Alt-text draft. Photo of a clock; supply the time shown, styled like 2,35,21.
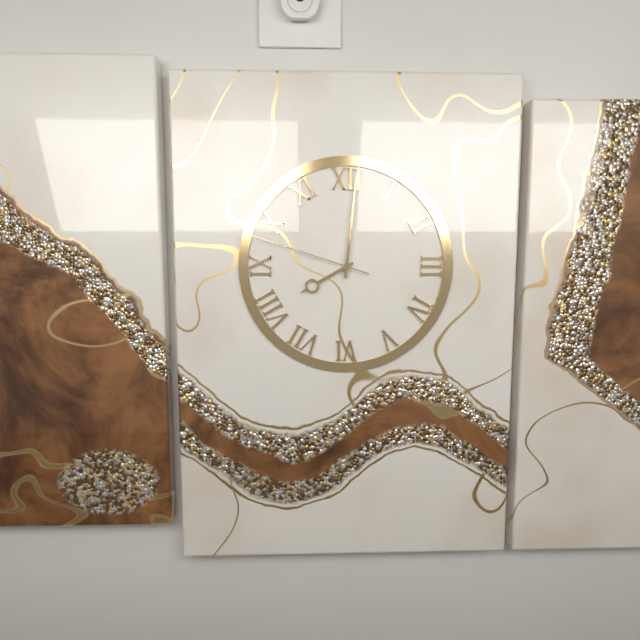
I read 8,01,48
